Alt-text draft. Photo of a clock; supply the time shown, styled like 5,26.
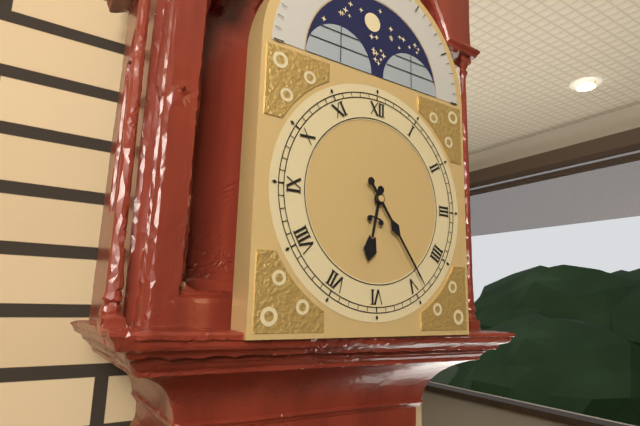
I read 6,24
